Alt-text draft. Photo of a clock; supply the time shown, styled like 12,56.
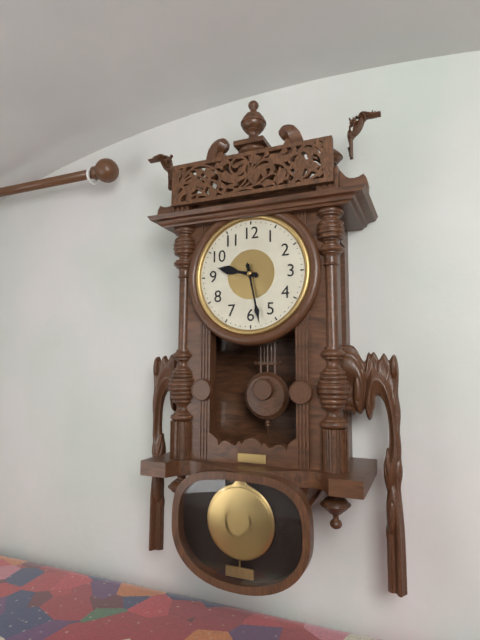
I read 9,28
